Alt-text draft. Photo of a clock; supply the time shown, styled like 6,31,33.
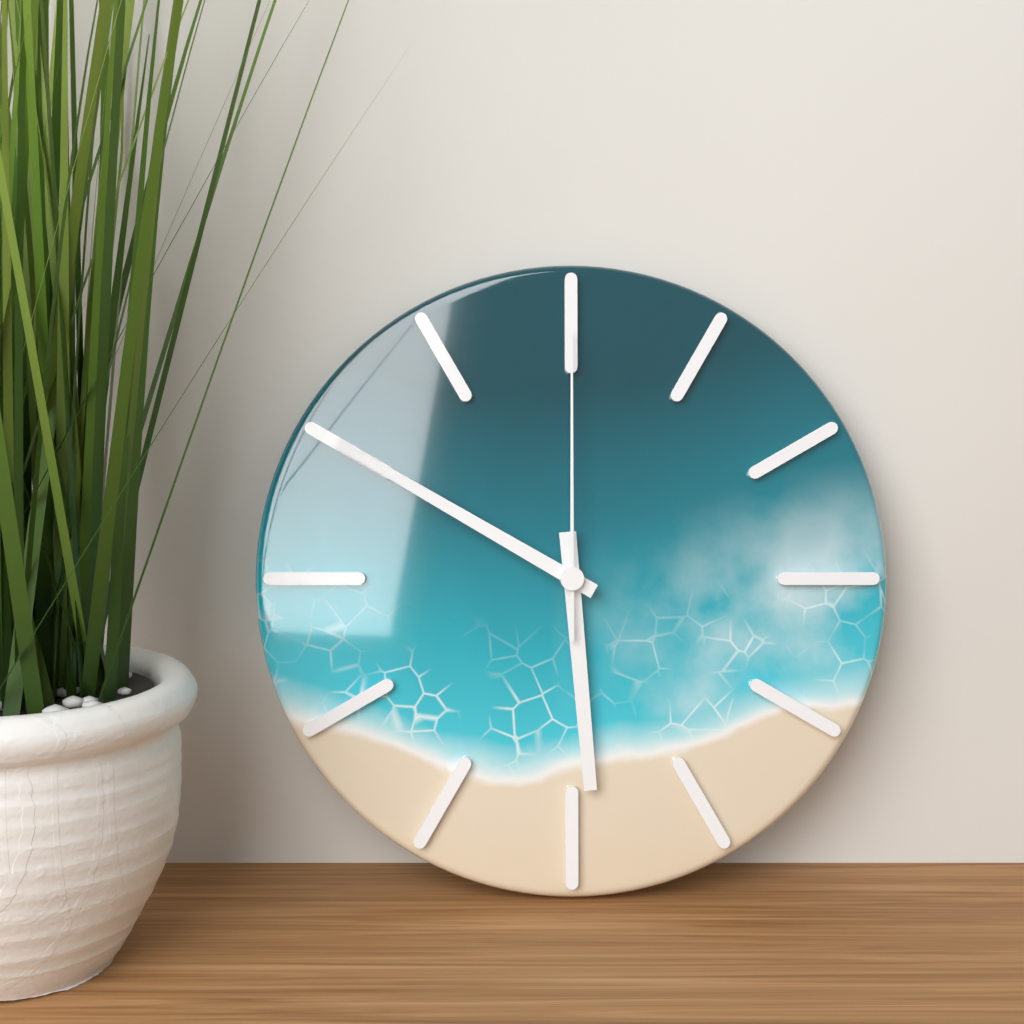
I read 5,50,00
